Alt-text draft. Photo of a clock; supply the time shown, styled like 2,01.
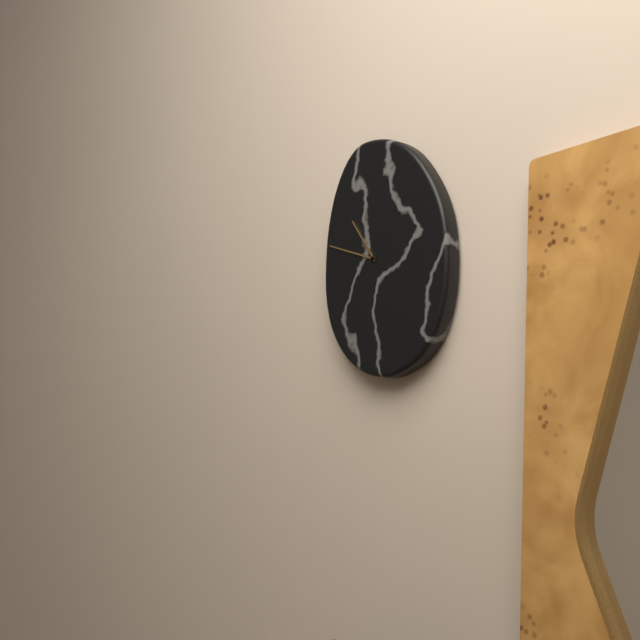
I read 10,48
